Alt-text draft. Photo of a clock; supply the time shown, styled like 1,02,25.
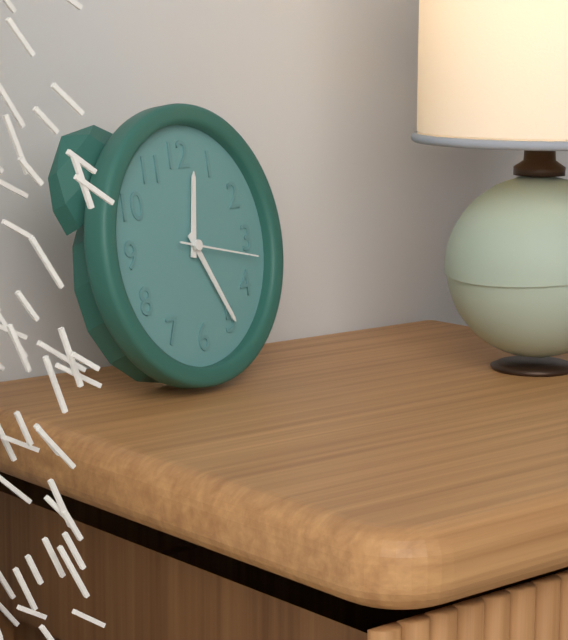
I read 12,25,17
